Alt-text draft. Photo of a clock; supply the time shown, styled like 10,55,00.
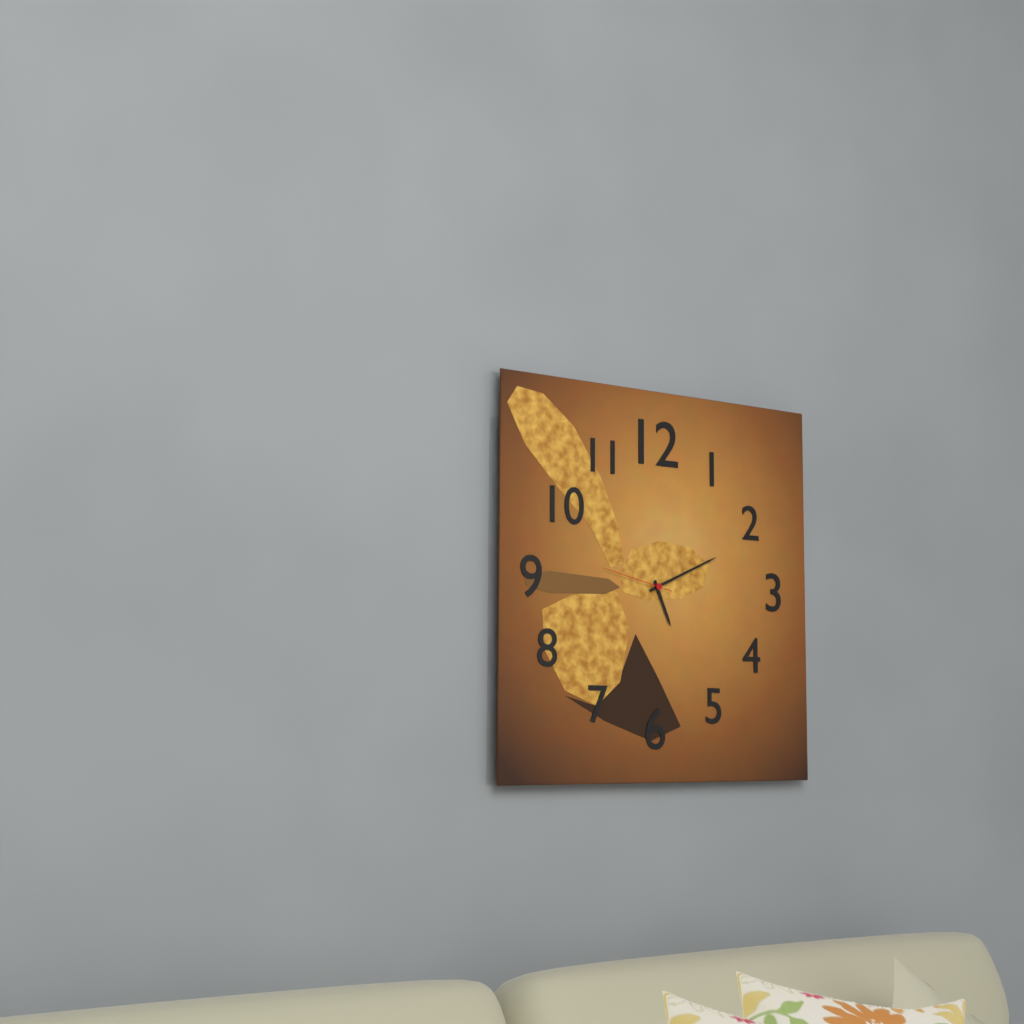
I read 5,11,47
